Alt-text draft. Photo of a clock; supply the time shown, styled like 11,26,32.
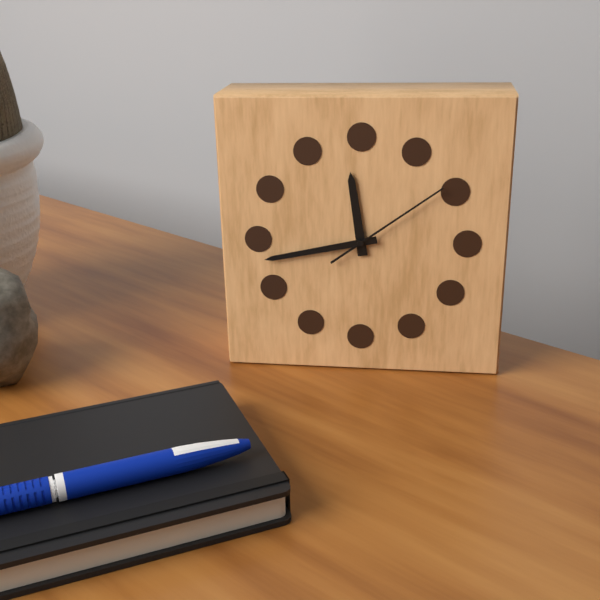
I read 11,43,09
